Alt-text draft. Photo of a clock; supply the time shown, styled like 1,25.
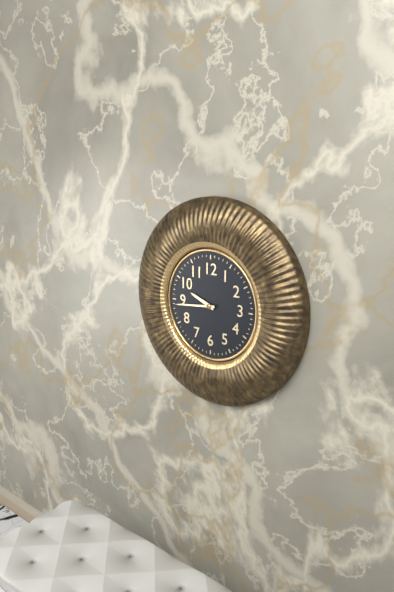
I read 9,44
